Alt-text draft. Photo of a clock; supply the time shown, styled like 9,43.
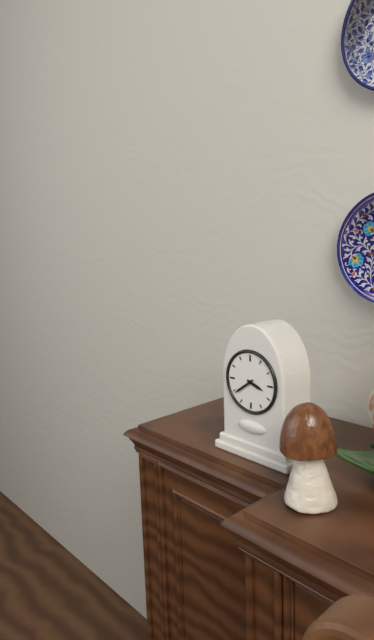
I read 3,39
